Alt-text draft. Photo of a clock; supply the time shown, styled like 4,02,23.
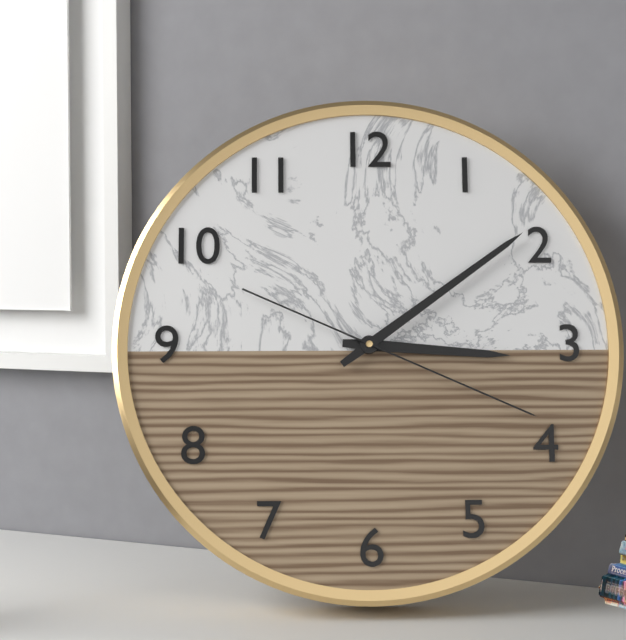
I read 3,09,19
